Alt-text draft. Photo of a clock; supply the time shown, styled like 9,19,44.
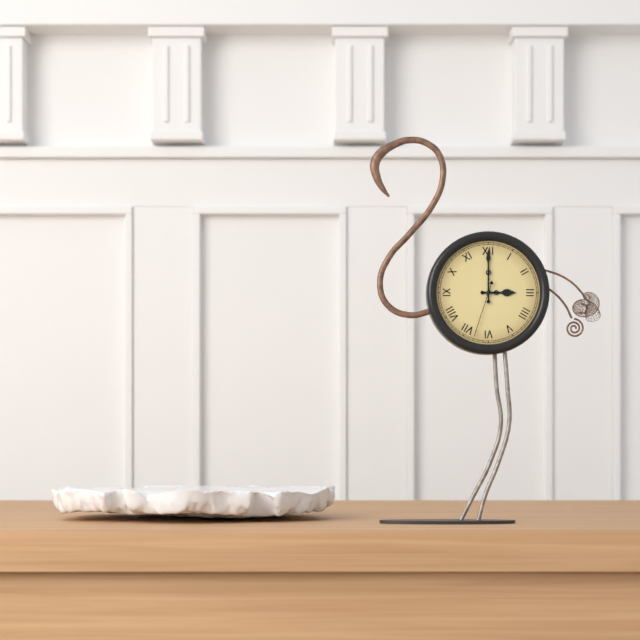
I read 3,00,33
